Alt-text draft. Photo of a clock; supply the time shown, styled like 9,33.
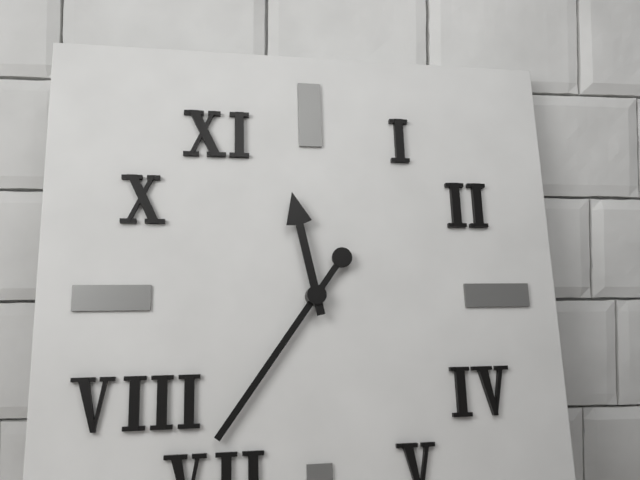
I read 11,36
